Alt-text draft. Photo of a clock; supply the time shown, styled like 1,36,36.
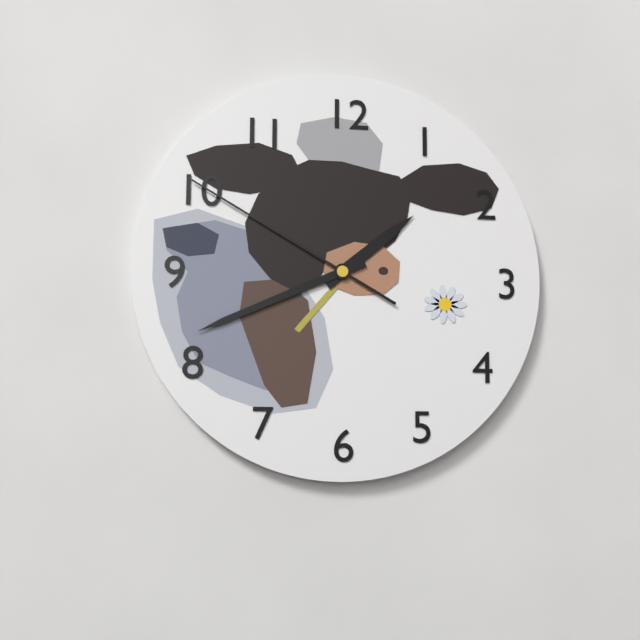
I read 1,41,50
